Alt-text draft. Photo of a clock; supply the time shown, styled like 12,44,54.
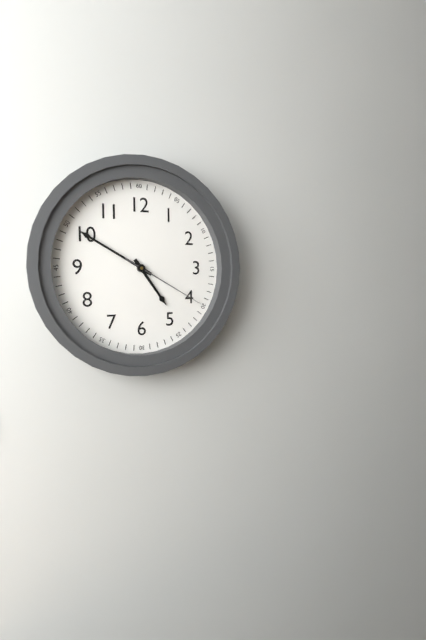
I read 4,50,20
